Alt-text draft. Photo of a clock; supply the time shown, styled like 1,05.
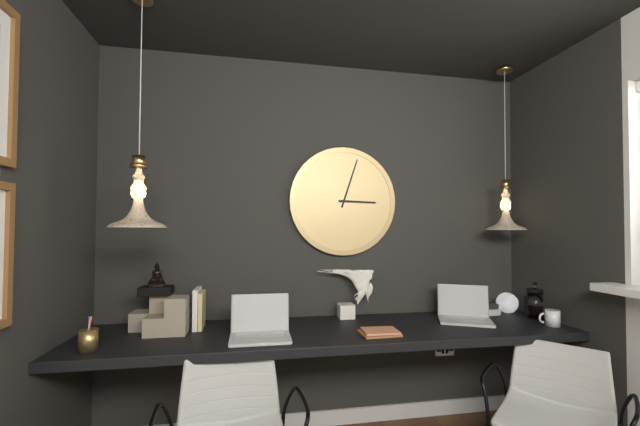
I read 3,03
